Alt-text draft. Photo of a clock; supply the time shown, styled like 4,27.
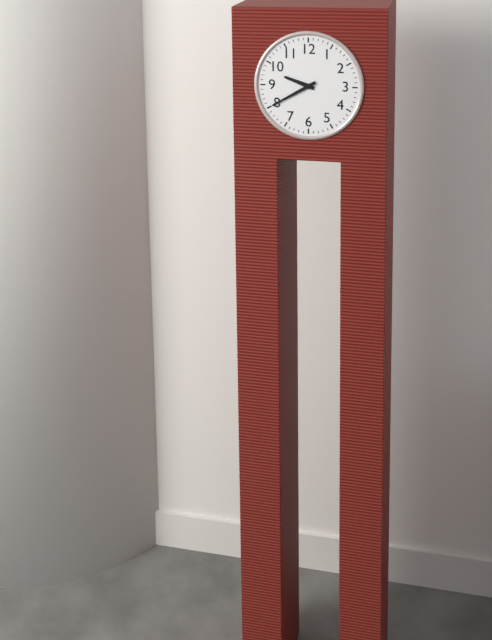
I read 9,40
